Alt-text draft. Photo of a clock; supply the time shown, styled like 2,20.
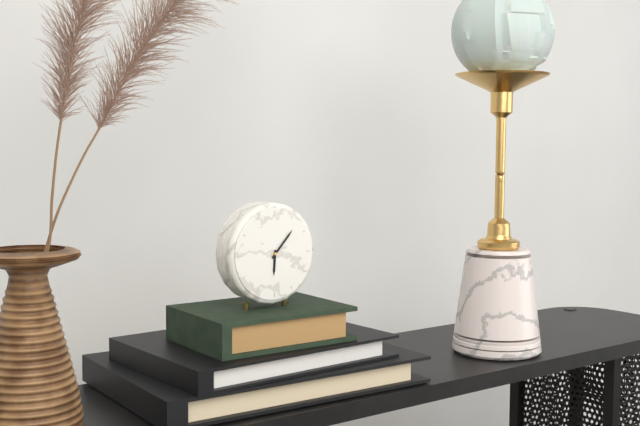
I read 6,07
